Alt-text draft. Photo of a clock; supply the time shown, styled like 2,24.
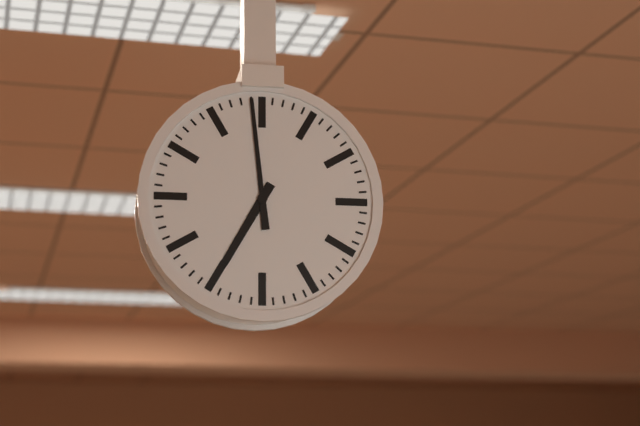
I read 6,59
